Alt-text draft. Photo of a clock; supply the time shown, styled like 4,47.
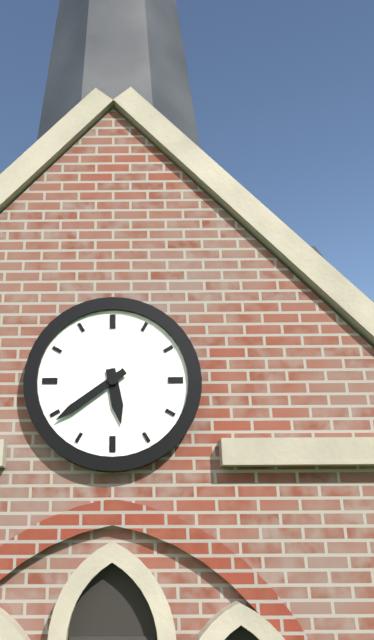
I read 5,39
